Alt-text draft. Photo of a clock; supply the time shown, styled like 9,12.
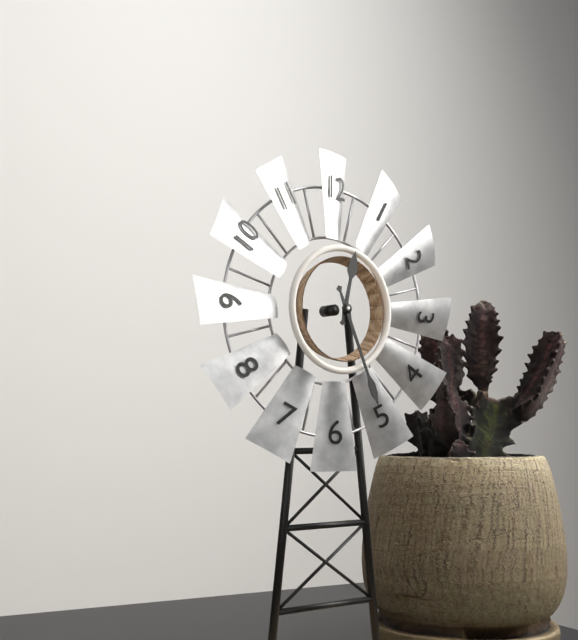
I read 12,26
